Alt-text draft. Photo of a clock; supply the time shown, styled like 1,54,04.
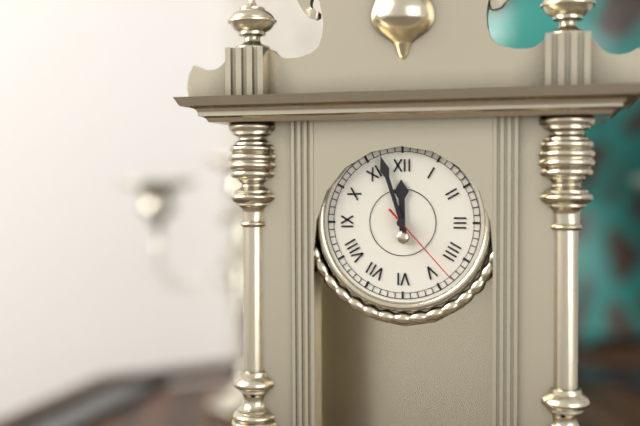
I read 11,57,23
